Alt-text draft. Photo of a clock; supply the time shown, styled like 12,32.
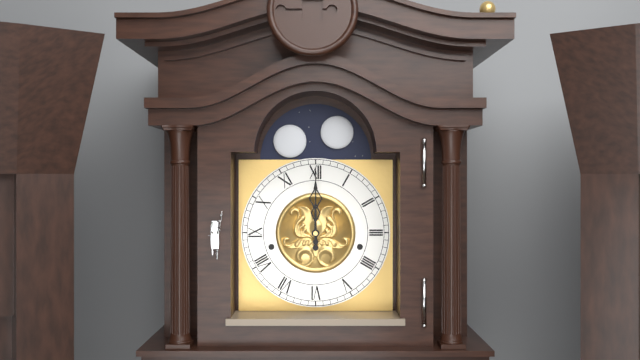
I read 12,00
